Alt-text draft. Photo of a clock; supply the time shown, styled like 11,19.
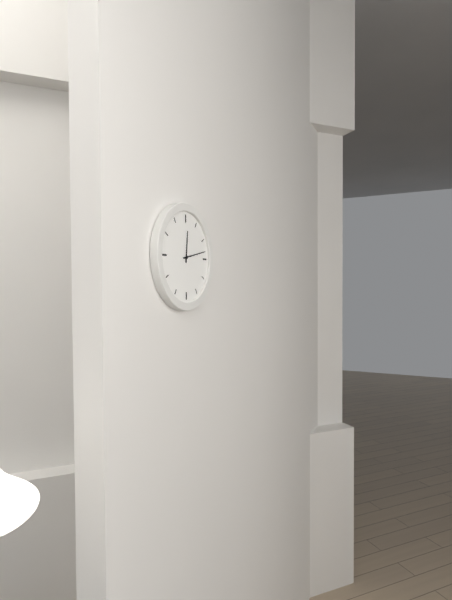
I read 12,13
